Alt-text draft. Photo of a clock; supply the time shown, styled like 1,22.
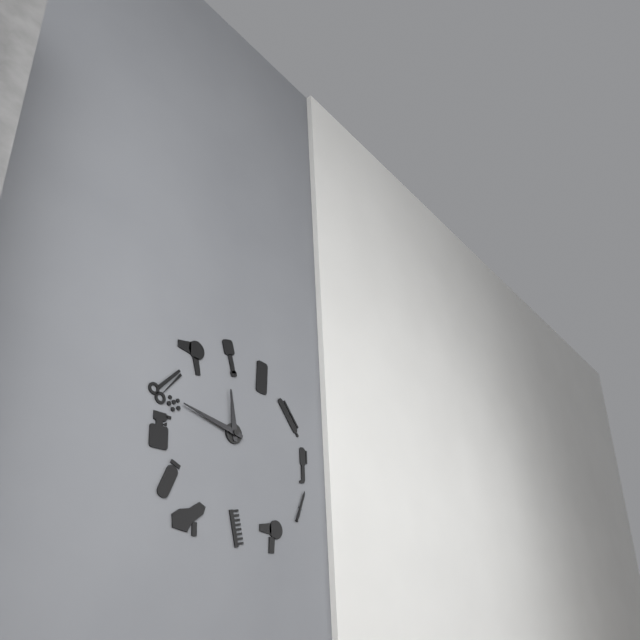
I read 11,47
